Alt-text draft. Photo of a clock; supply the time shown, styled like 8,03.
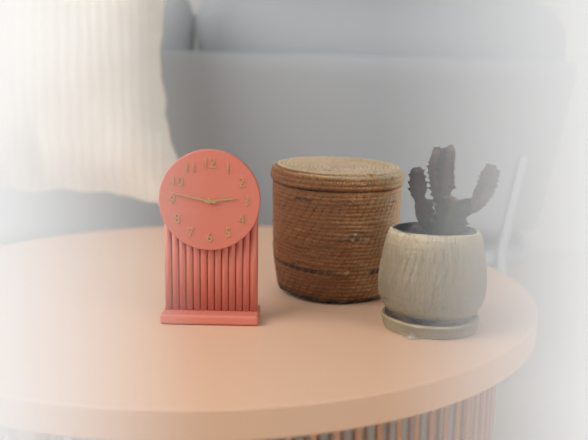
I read 2,47
